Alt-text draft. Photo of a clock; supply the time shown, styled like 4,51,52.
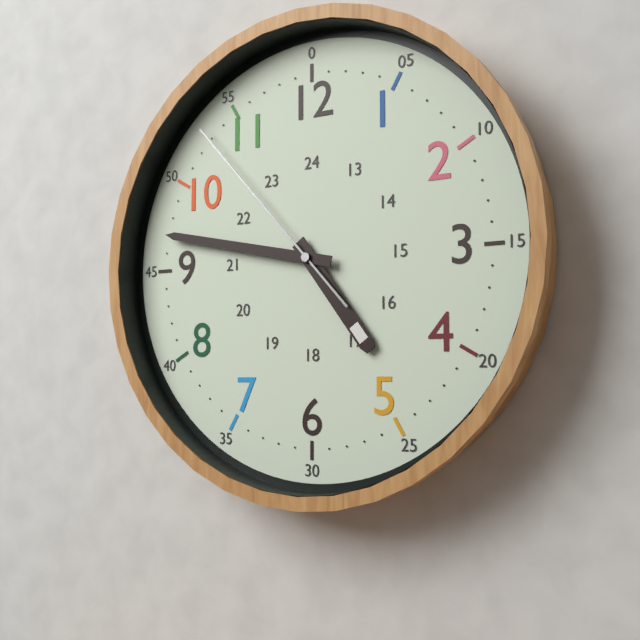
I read 4,47,53
